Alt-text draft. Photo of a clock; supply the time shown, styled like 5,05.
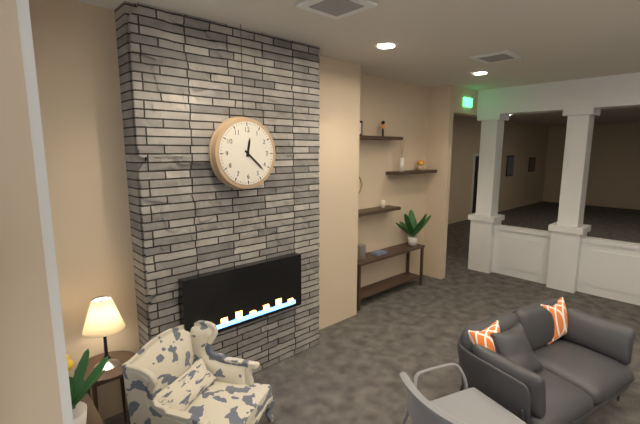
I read 12,22
